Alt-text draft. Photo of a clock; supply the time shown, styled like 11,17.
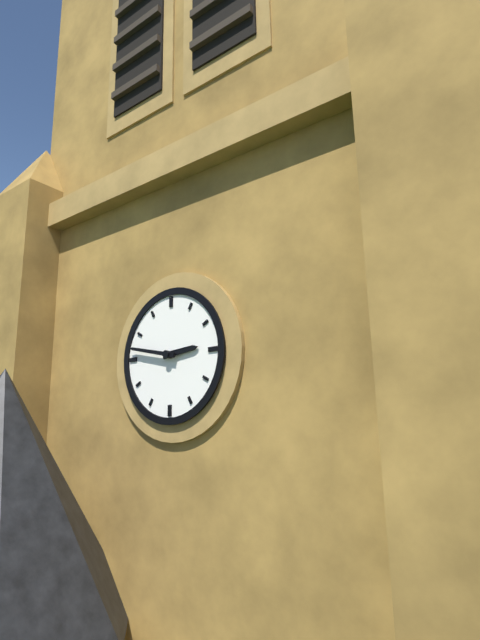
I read 2,47
